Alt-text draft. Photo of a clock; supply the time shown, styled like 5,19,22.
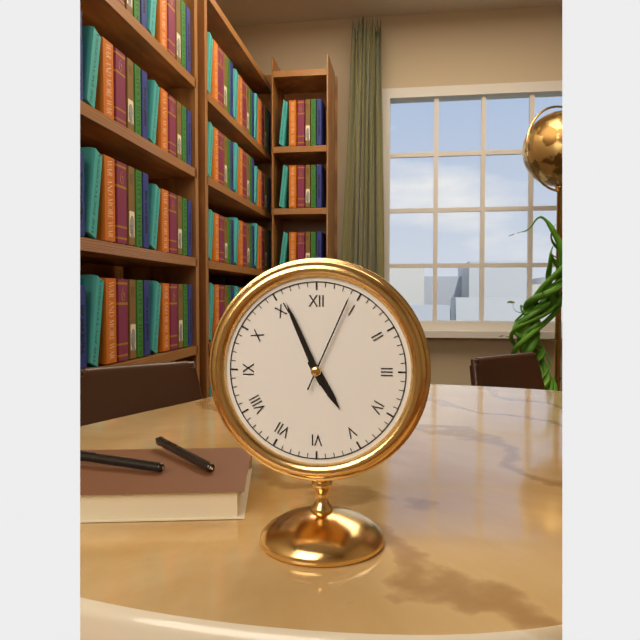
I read 4,56,04
